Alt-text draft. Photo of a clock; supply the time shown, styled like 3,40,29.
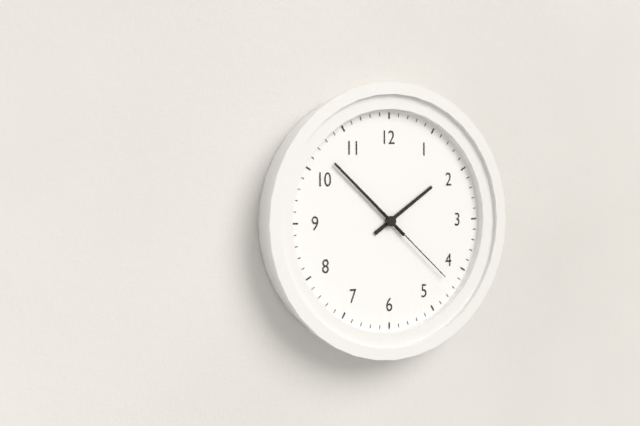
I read 1,52,22
